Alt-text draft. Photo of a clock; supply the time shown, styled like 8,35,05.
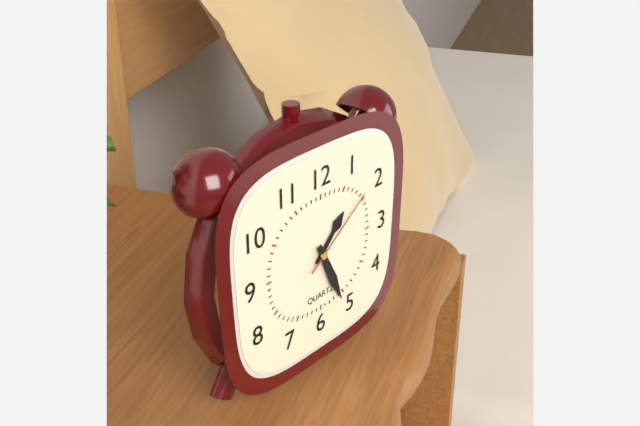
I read 1,26,09
